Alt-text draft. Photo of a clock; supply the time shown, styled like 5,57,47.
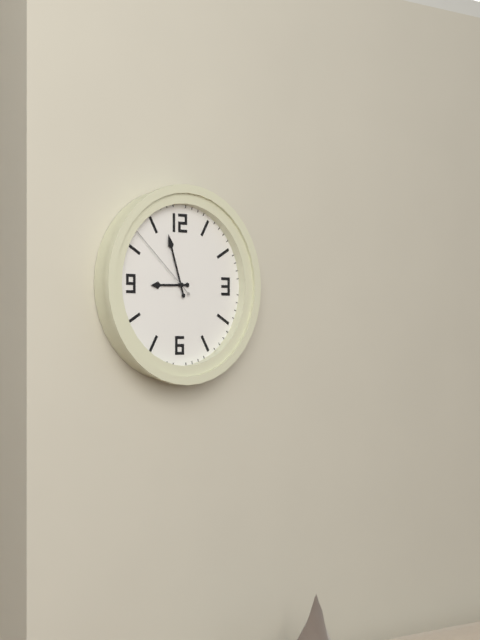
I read 8,57,52
